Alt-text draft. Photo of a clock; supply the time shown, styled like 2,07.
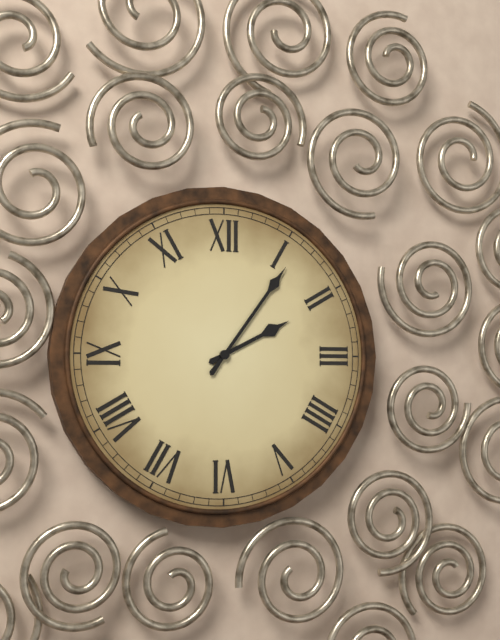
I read 2,06
